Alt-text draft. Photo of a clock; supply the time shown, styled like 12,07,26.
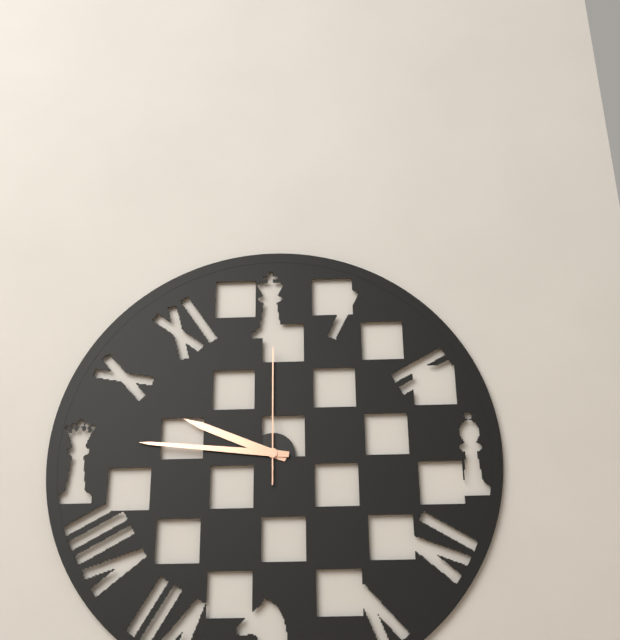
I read 9,46,00
